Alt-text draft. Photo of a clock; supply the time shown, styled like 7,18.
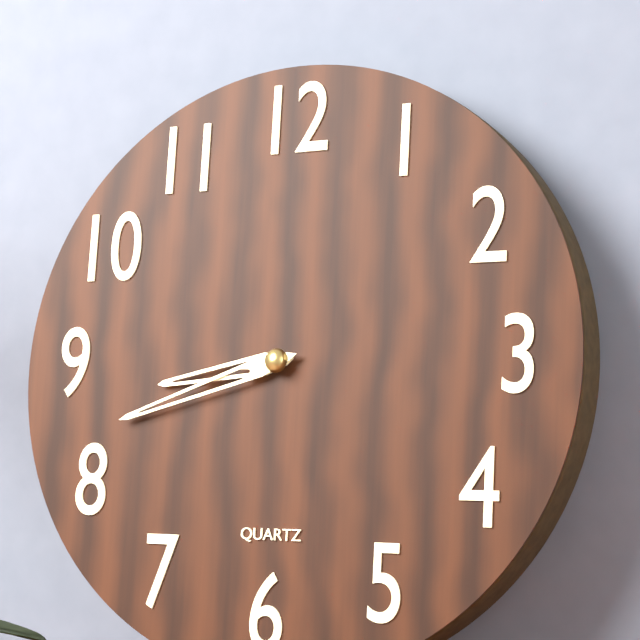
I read 8,42
